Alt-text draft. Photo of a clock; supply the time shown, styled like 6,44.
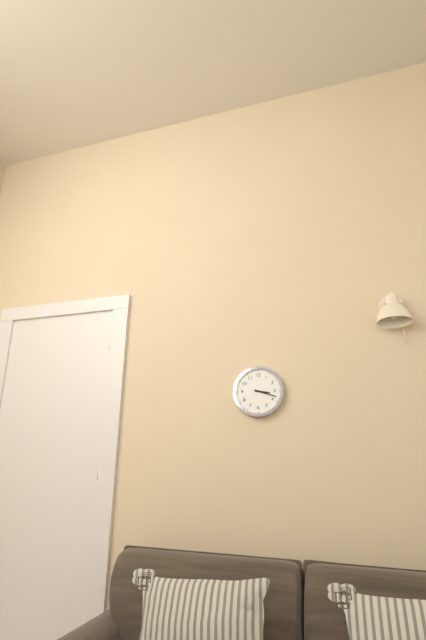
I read 3,18
